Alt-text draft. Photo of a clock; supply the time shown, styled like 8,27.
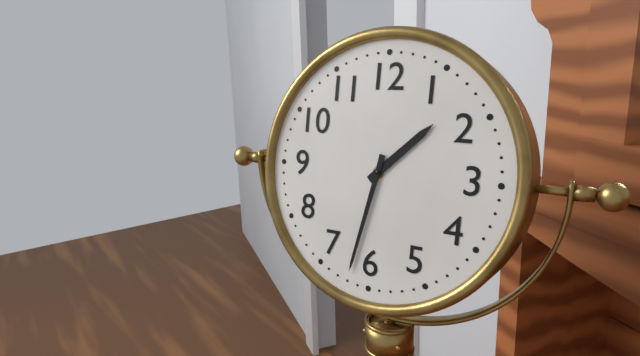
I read 1,32
